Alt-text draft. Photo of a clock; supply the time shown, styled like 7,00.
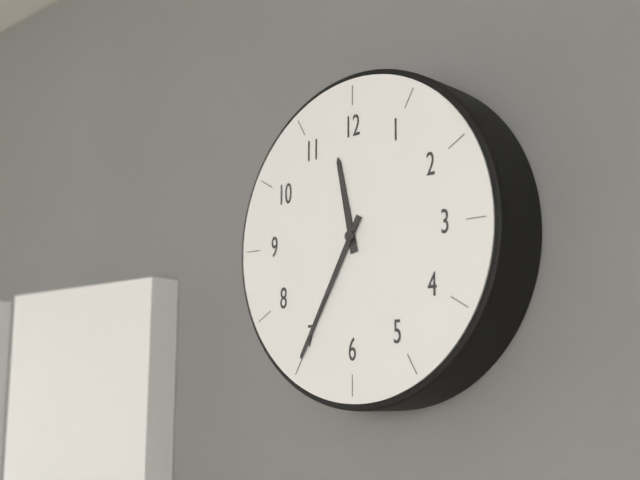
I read 11,35
